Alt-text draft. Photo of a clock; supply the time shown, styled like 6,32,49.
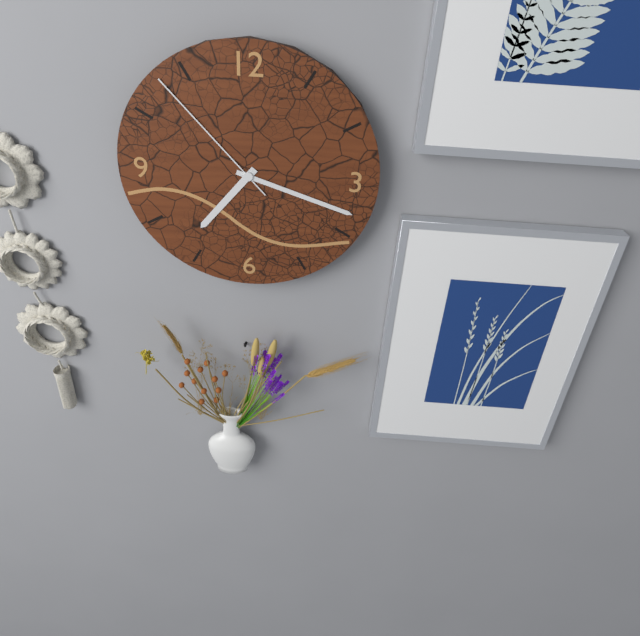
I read 7,18,53
